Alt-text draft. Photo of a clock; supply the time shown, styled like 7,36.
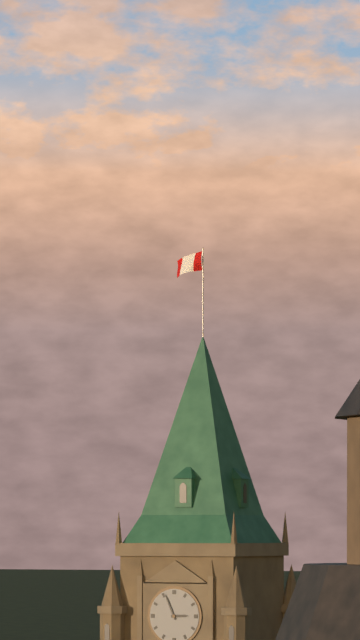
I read 2,56
